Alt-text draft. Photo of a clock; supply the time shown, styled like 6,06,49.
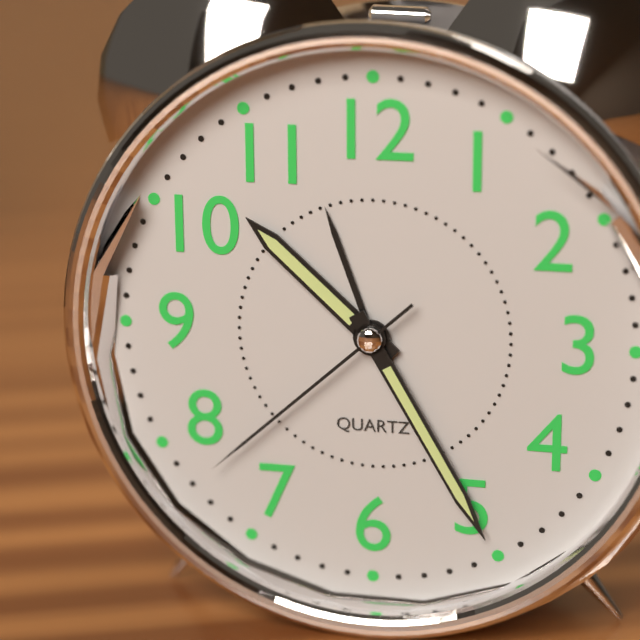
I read 10,25,38
